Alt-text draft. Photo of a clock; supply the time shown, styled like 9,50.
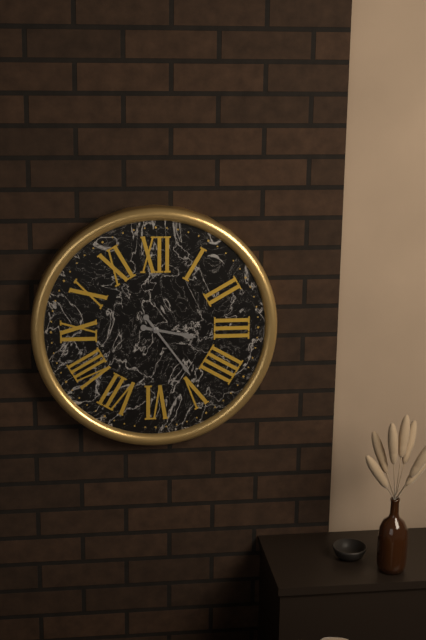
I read 3,24
